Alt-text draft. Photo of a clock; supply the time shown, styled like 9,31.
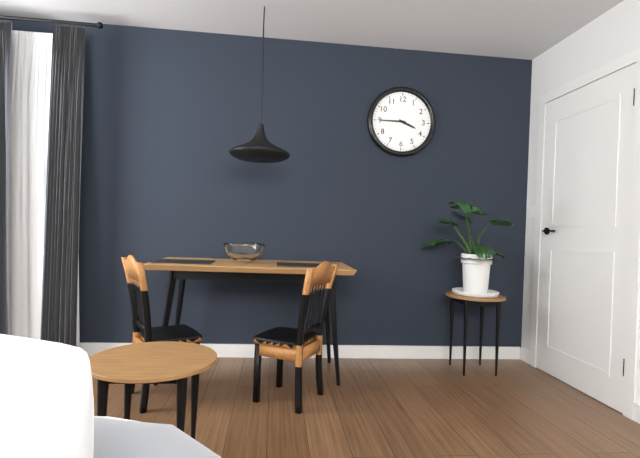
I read 3,45
